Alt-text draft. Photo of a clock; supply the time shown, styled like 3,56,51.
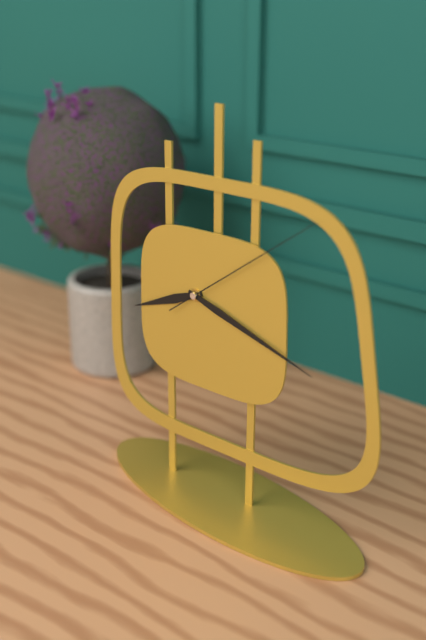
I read 8,18,09
